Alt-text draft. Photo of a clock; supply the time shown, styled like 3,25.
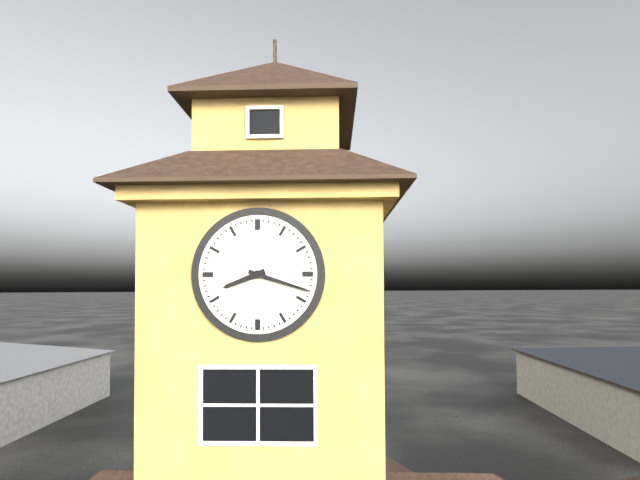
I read 8,18
